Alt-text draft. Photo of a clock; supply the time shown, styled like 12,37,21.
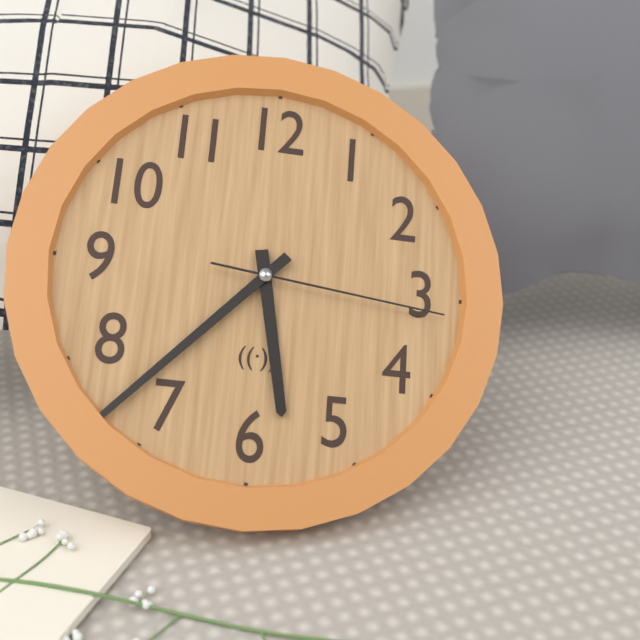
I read 5,37,16
